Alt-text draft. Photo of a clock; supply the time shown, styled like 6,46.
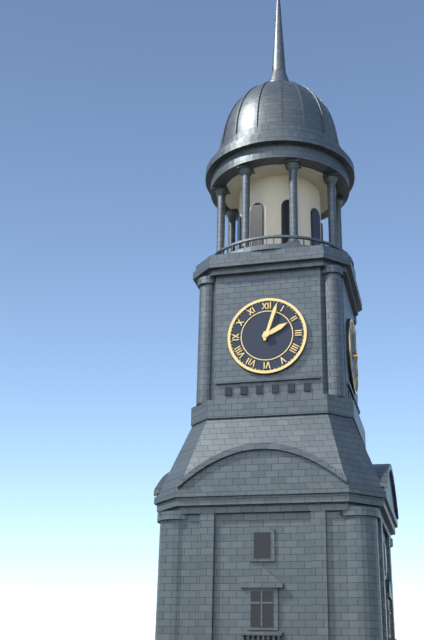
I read 2,03
